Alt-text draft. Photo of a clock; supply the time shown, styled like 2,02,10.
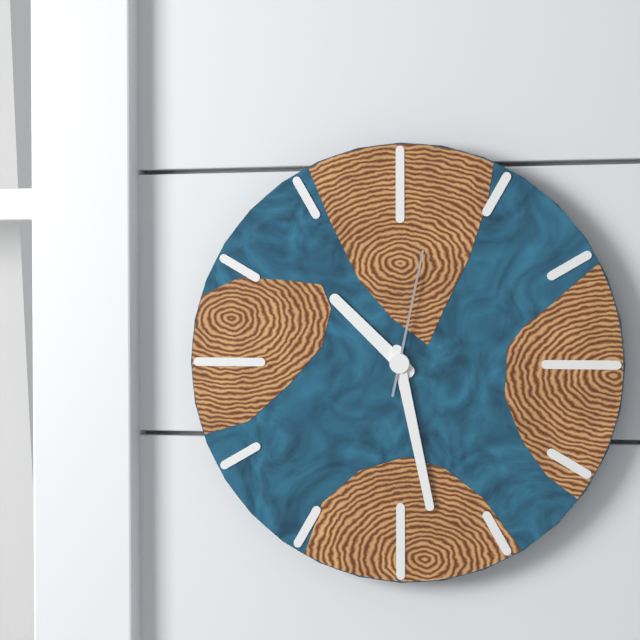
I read 10,28,02
